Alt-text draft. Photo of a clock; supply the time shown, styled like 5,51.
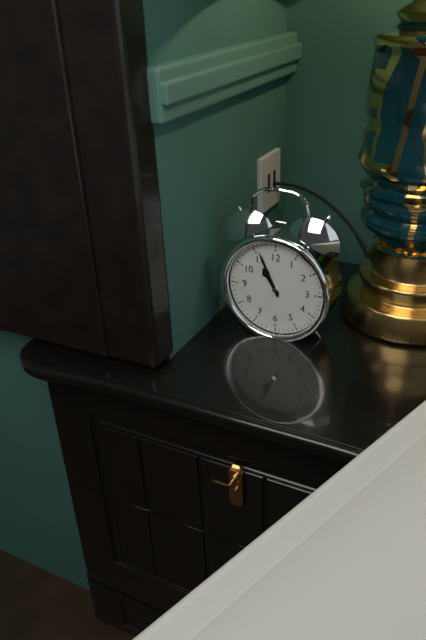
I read 10,56
